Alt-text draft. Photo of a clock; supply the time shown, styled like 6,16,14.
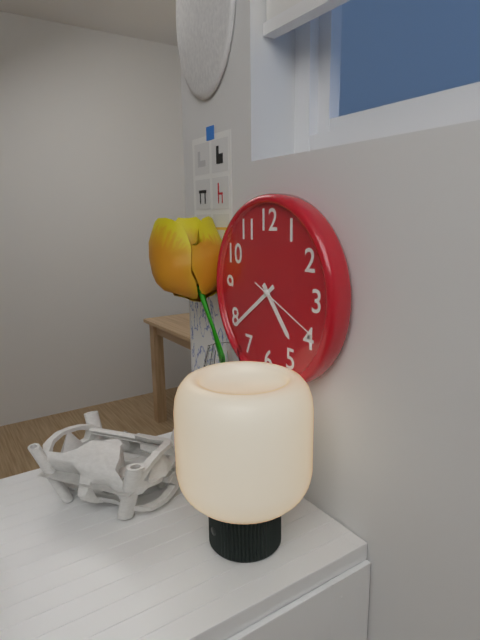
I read 4,39,19
